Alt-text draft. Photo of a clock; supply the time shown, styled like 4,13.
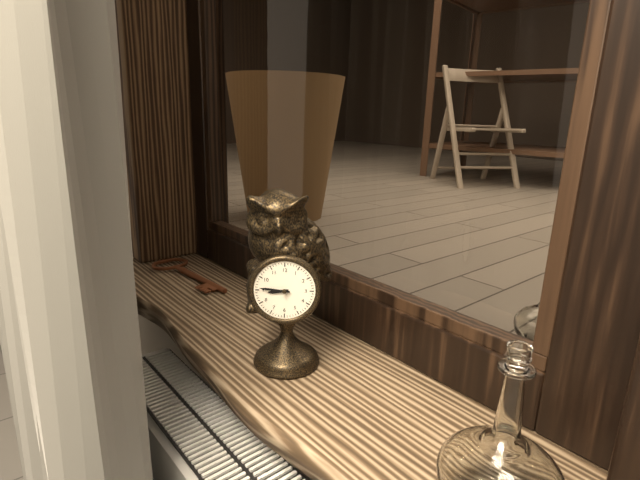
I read 8,46
